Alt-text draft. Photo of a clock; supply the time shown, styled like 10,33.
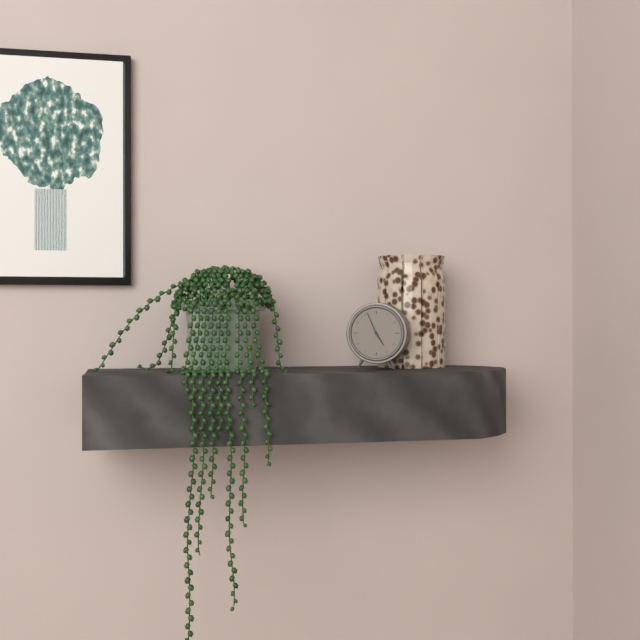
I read 4,56
